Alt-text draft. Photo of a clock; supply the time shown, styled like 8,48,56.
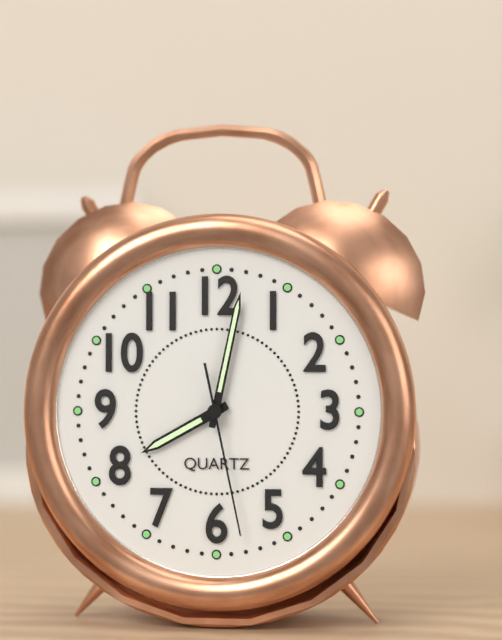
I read 8,02,28
